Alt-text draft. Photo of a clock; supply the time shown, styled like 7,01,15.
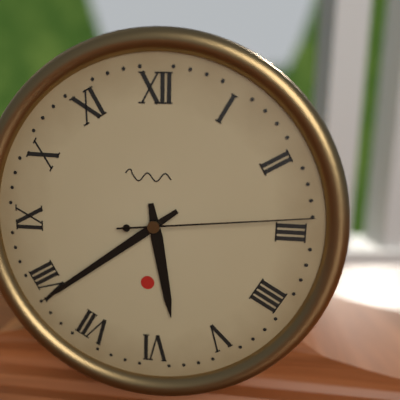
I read 5,39,14
